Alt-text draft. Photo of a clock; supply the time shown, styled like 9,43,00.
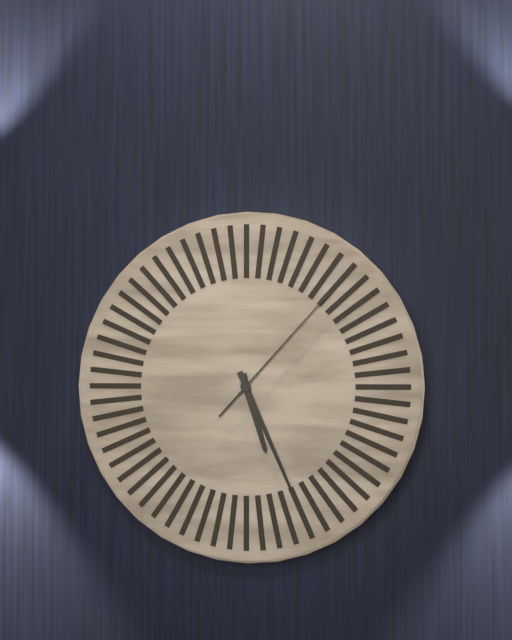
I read 5,26,07
